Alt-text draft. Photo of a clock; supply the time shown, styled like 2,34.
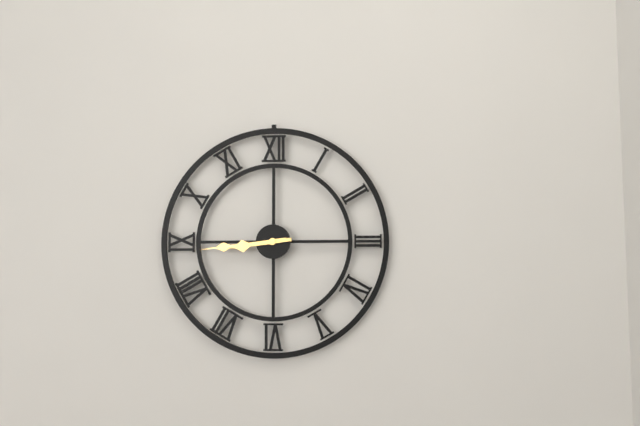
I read 8,44
